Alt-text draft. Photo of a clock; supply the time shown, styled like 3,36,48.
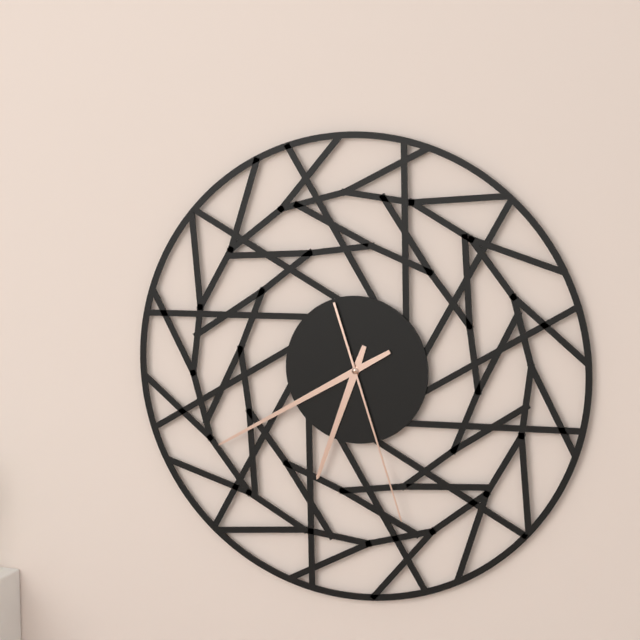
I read 6,40,27
